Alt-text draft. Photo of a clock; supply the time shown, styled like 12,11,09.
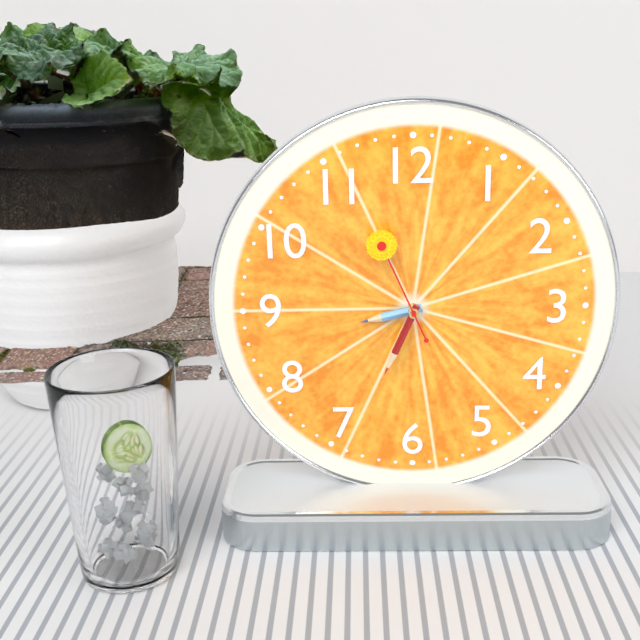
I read 8,34,56
